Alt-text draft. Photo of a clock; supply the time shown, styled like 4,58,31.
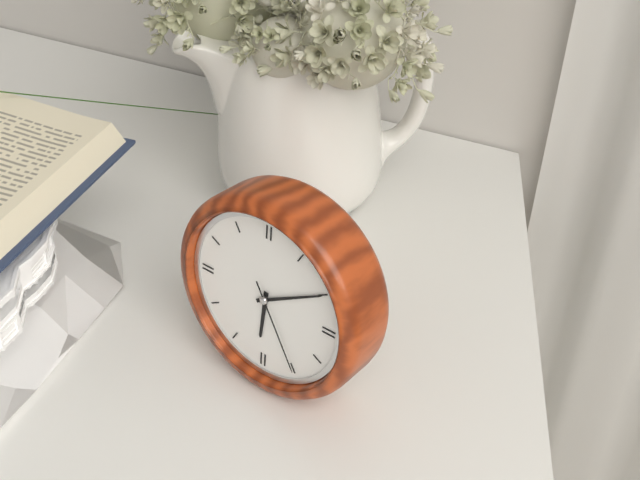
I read 6,10,25
